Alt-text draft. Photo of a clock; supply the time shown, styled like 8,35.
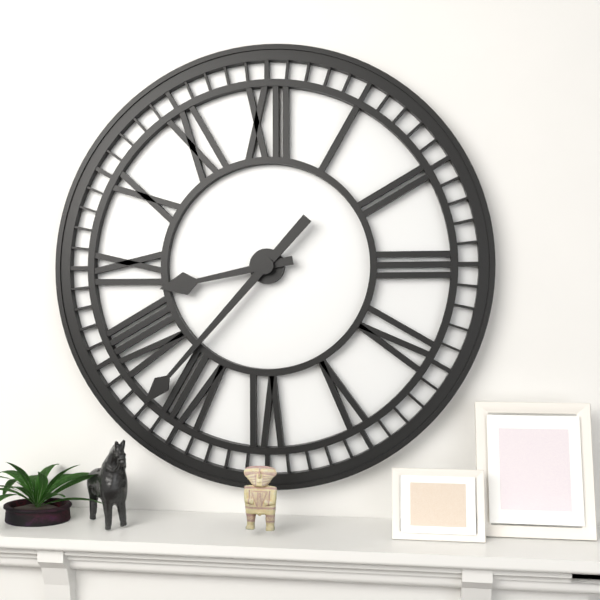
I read 8,37
